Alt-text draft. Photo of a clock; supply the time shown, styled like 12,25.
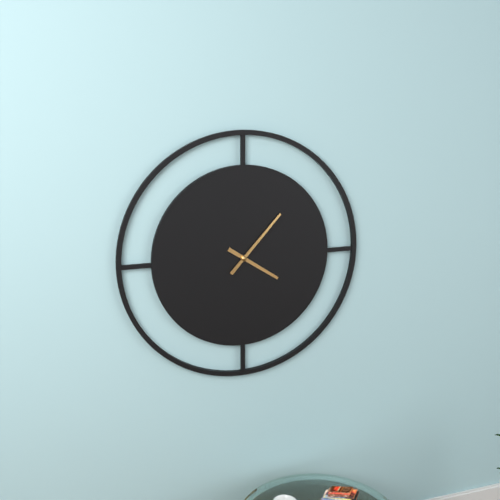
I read 4,07
